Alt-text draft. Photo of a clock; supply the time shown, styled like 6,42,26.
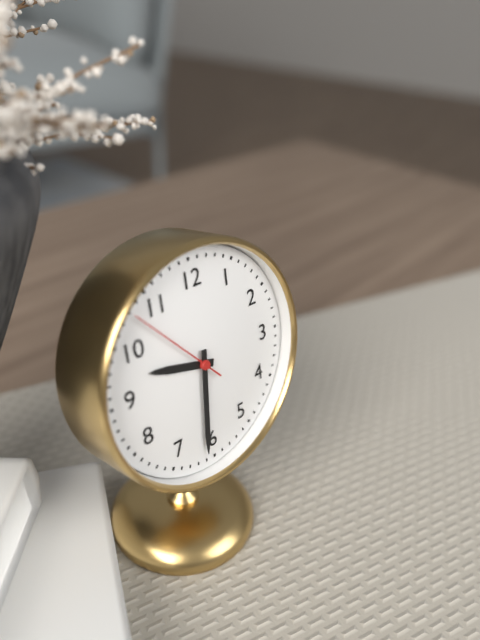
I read 9,31,53
